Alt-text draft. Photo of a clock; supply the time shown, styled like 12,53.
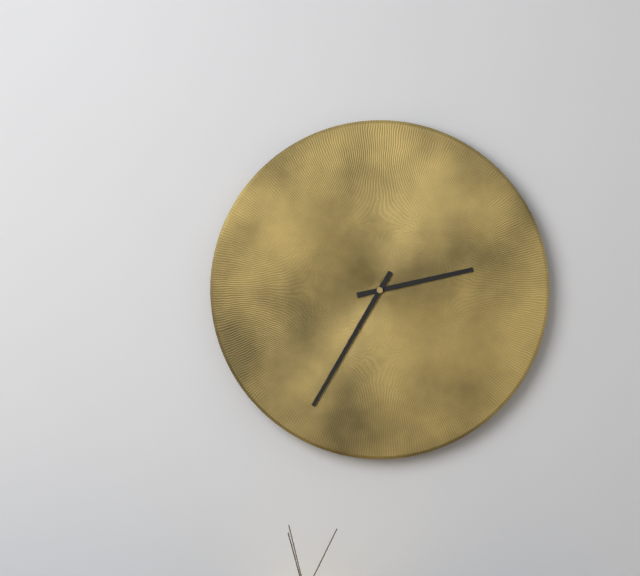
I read 2,35
